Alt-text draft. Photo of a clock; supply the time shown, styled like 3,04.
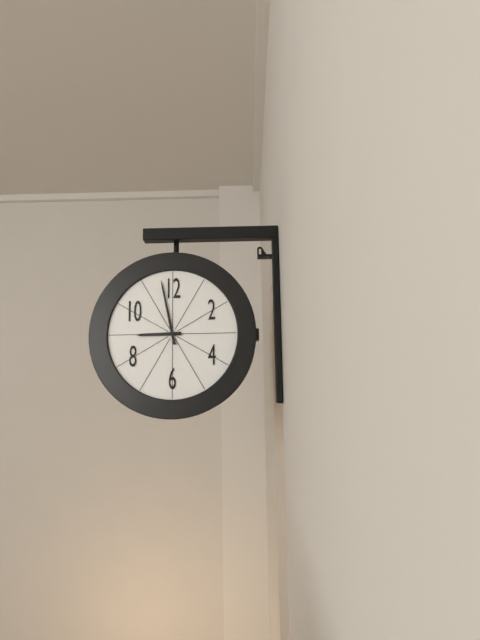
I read 8,58
